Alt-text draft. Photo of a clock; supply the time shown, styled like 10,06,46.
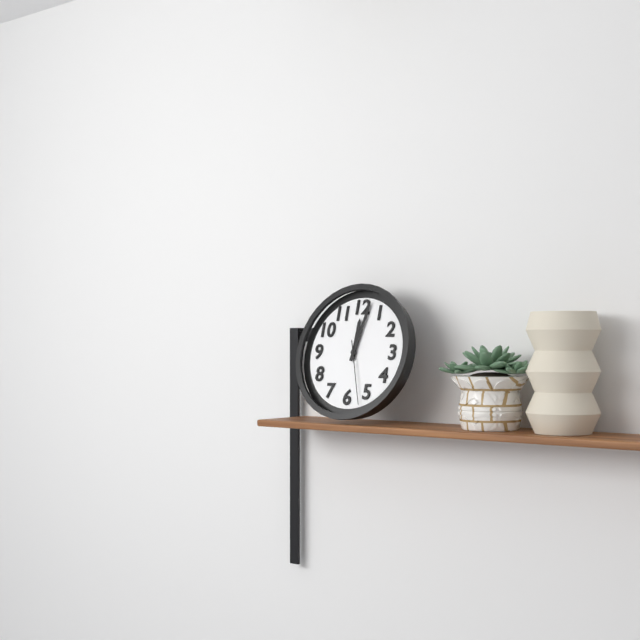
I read 12,02,27
